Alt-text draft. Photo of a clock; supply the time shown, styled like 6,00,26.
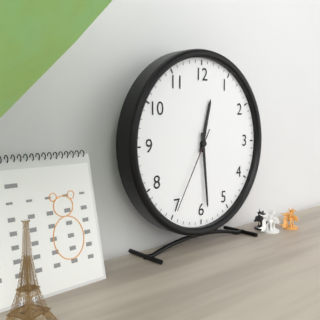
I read 12,29,35
